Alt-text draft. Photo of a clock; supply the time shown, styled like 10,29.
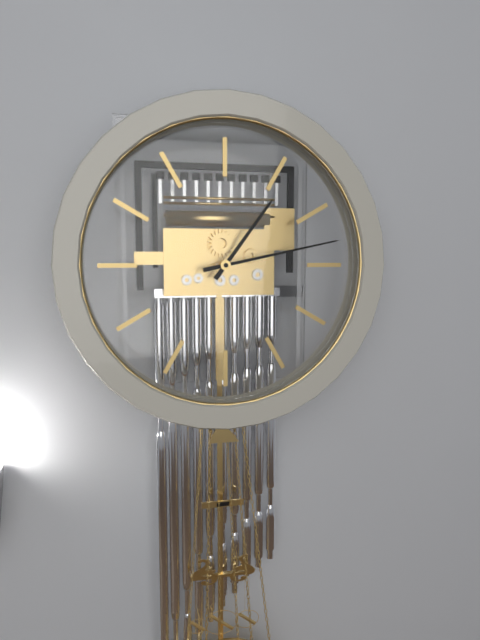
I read 1,13
